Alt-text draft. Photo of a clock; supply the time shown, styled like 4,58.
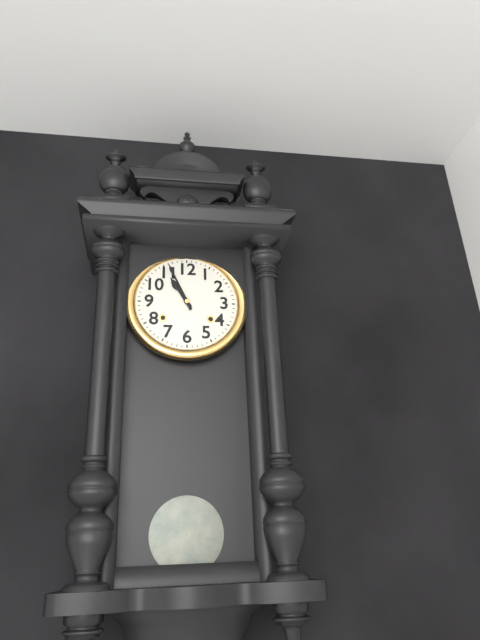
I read 10,56
